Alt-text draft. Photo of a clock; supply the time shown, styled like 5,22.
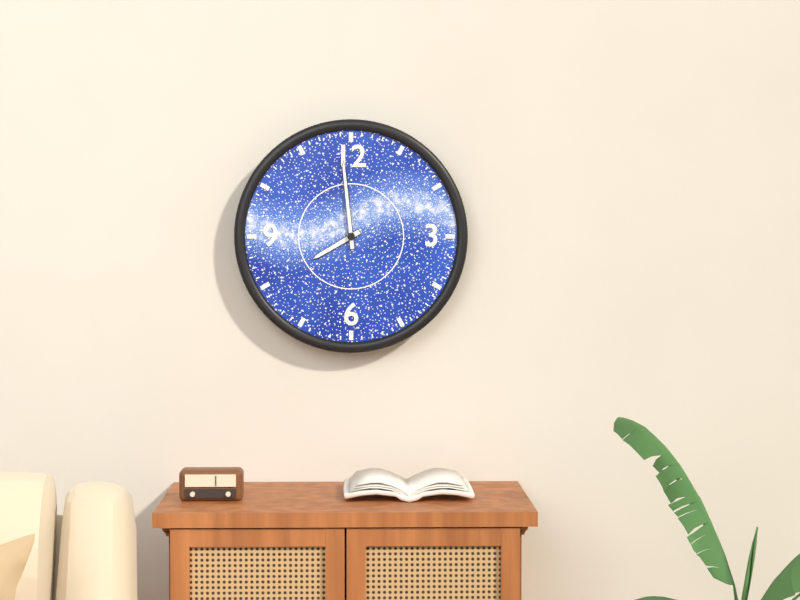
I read 7,59
